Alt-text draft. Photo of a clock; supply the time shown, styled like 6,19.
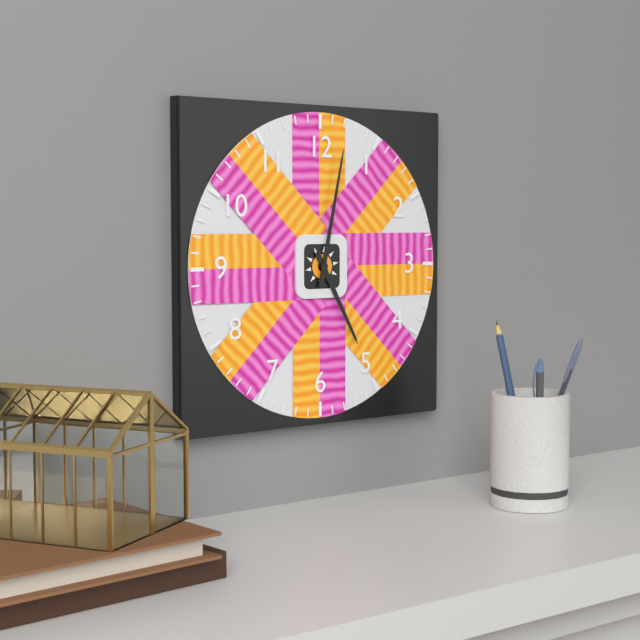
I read 5,02
